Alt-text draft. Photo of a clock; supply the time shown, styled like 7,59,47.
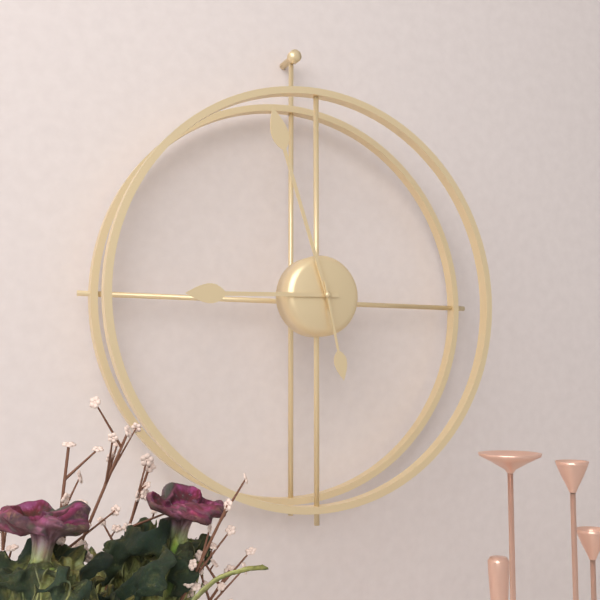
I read 8,57,28
